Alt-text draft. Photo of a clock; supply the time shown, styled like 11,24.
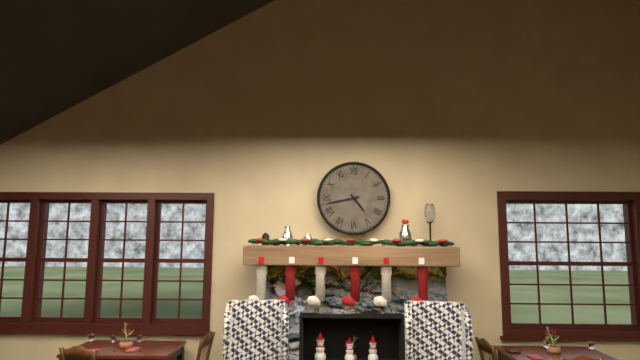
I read 4,43
